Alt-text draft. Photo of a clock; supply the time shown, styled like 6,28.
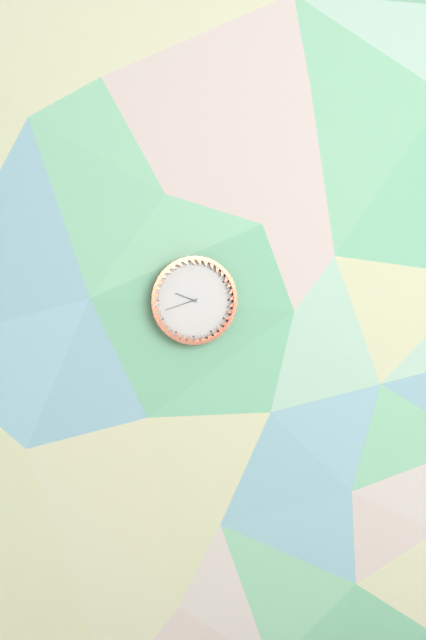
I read 9,42
